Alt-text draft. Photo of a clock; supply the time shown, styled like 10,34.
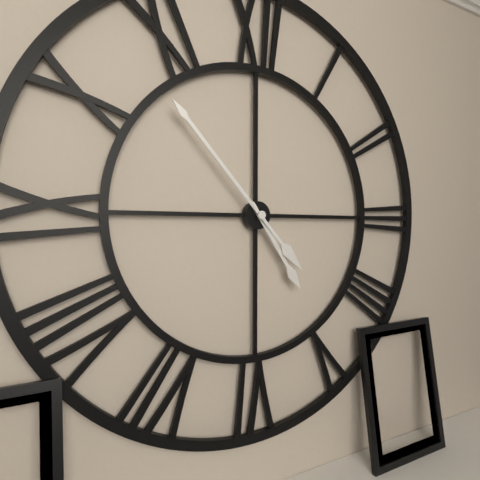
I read 4,53
